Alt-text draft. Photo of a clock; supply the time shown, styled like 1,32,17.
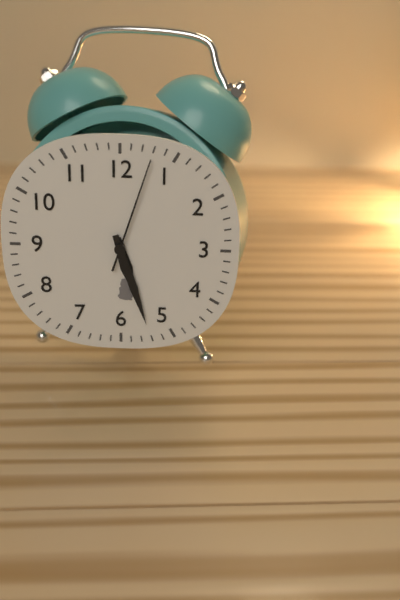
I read 5,27,03
